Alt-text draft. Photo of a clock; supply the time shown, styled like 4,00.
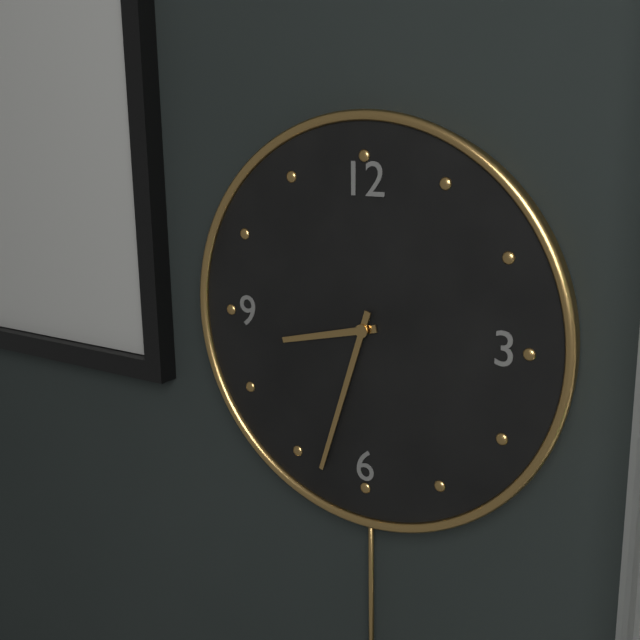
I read 8,33
